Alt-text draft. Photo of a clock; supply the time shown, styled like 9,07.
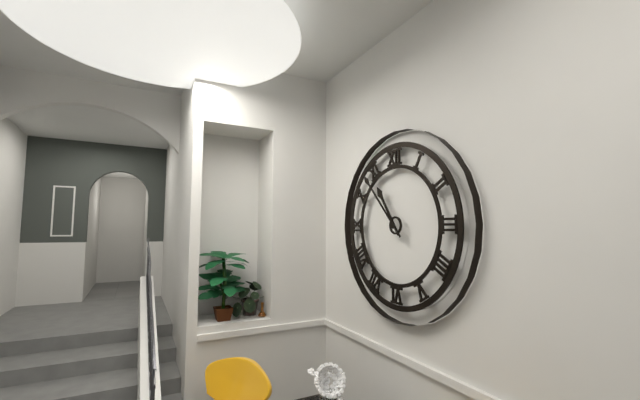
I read 10,53
